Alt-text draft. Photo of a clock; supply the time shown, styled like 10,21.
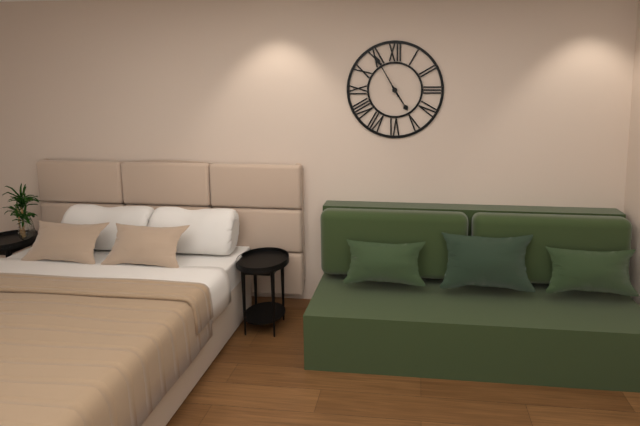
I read 4,55
